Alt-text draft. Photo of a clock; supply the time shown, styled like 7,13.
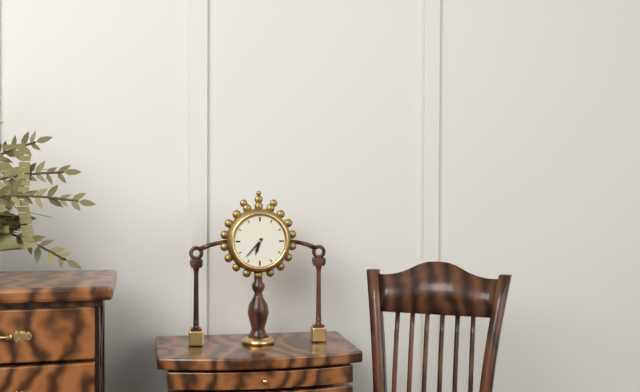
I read 6,37
